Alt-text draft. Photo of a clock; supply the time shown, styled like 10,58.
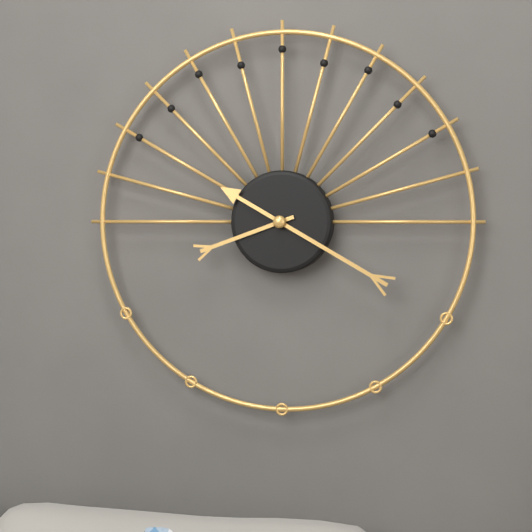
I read 8,20
